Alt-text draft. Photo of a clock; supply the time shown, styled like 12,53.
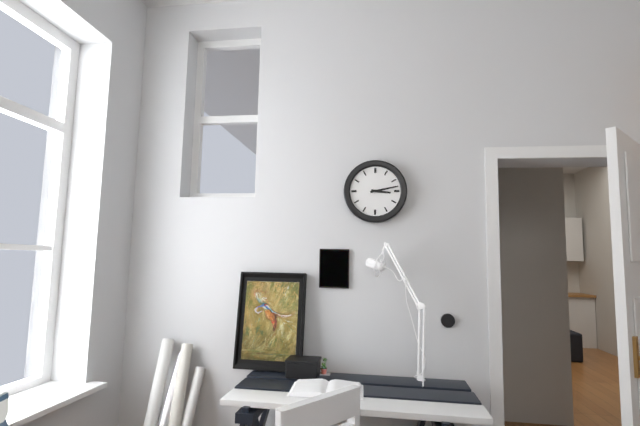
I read 3,13
